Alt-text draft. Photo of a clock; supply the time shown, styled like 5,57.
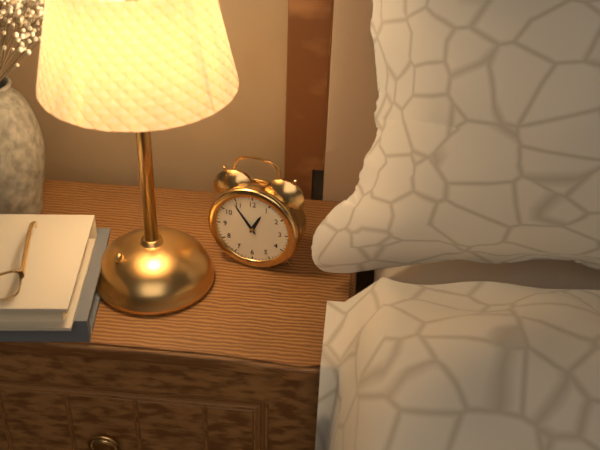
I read 12,54
